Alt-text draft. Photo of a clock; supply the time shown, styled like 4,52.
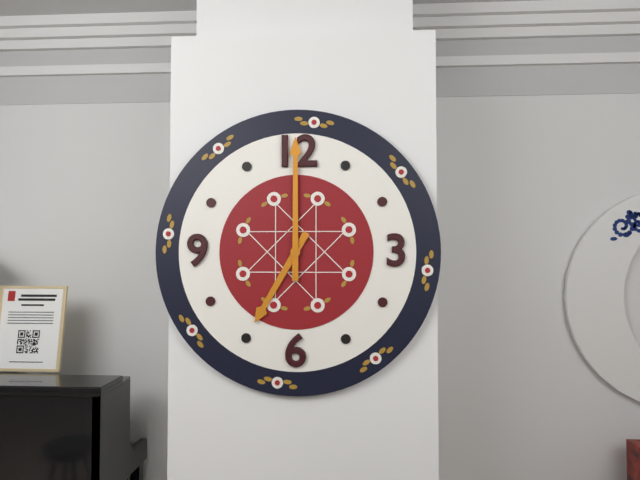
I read 7,00
